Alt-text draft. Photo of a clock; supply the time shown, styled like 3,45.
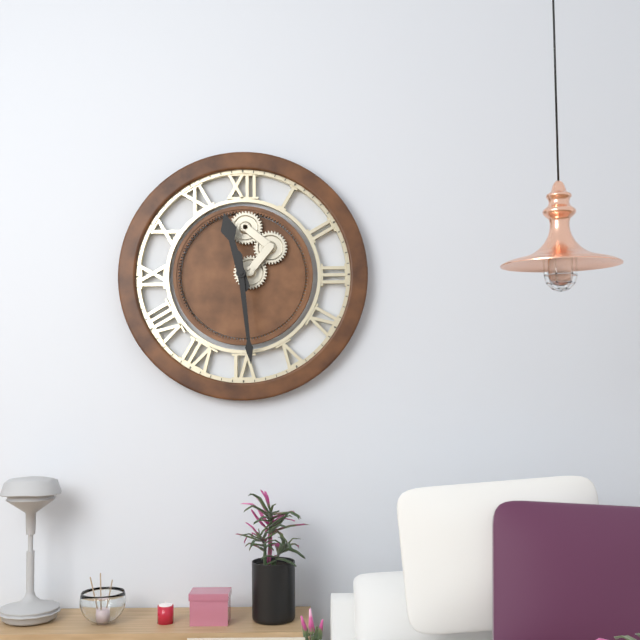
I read 11,29
